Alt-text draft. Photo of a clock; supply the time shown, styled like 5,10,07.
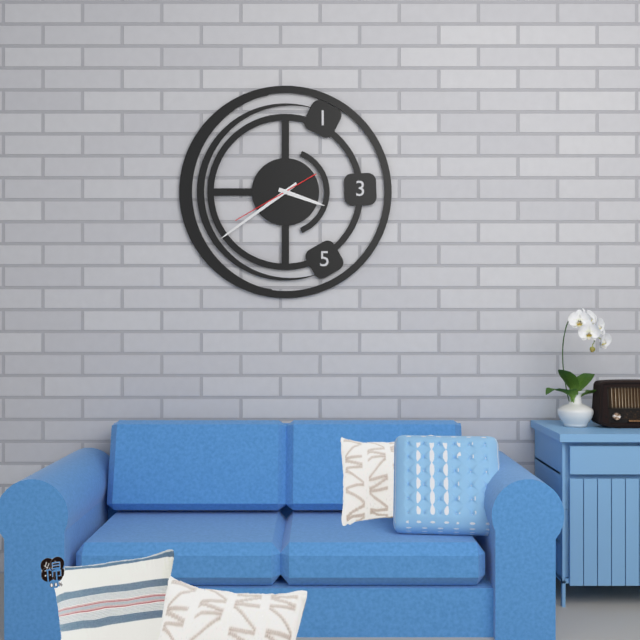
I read 3,39,40
